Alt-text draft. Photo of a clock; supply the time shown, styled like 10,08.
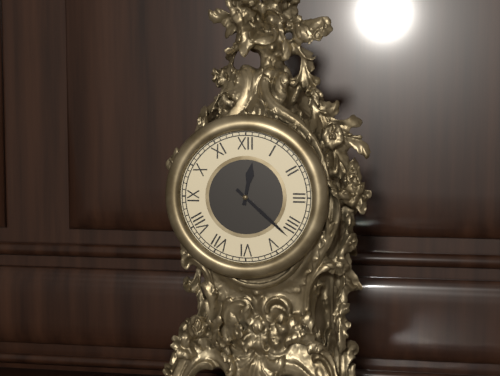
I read 12,22
